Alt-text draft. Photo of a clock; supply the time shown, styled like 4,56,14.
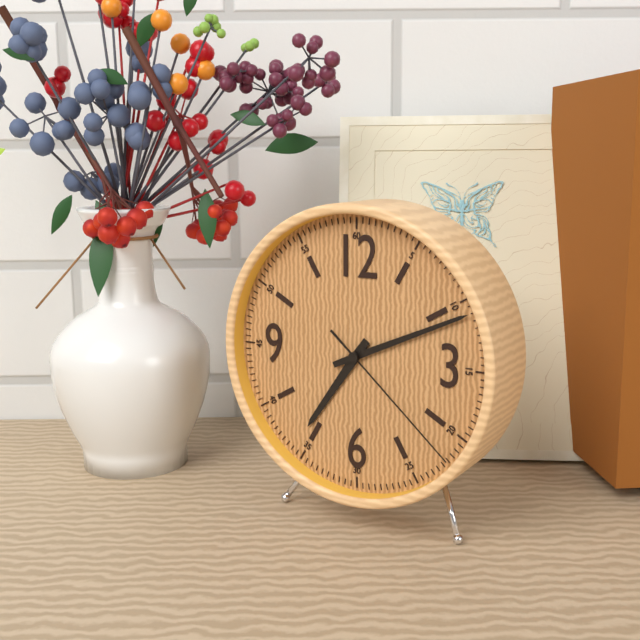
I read 7,11,22
